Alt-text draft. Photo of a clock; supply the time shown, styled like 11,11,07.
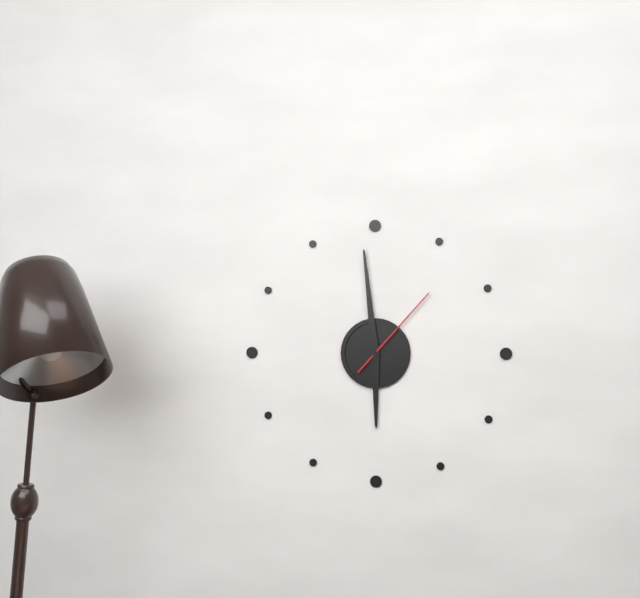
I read 5,59,07
